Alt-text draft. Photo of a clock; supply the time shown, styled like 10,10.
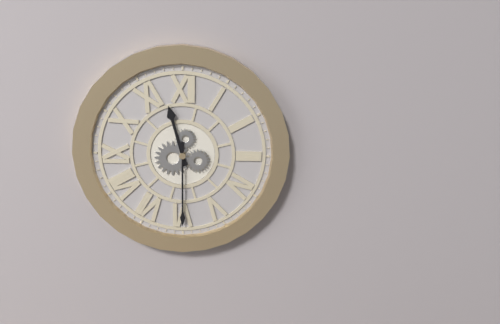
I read 11,30
